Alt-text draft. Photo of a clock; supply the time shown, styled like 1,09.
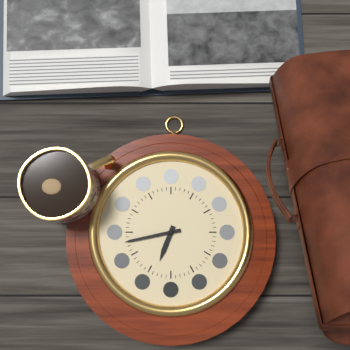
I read 6,43
